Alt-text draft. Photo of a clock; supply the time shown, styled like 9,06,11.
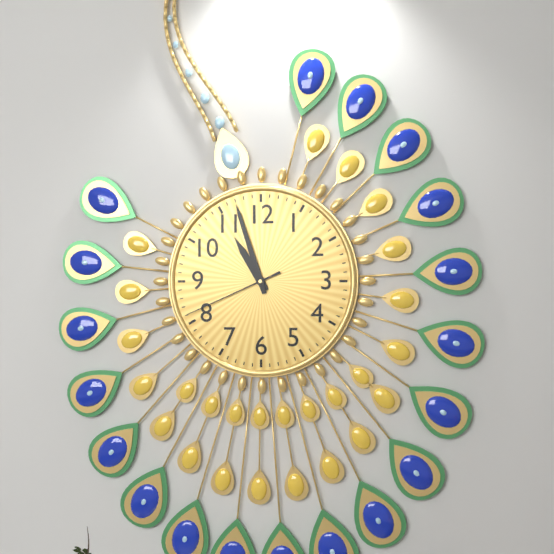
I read 10,57,41
